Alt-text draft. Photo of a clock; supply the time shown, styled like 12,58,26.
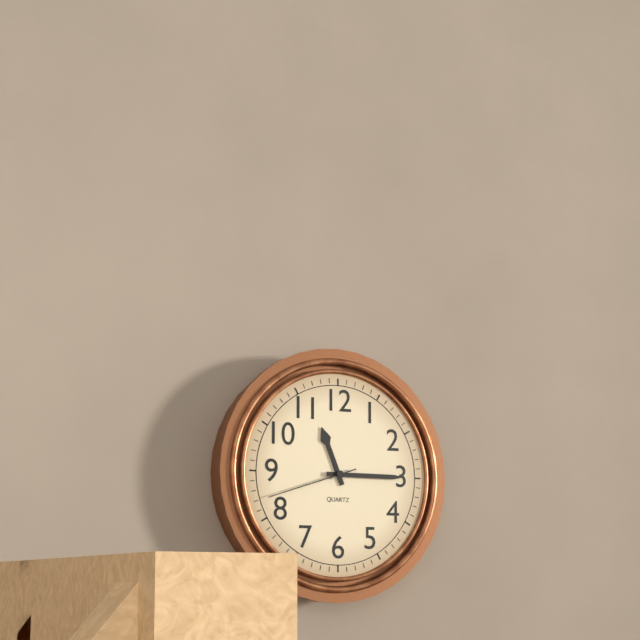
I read 11,15,42
